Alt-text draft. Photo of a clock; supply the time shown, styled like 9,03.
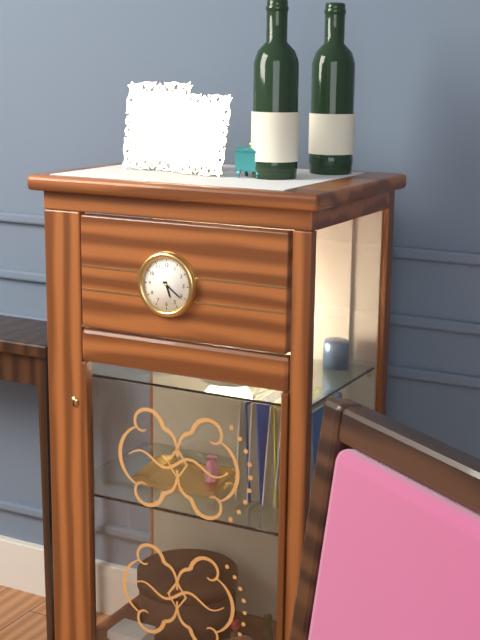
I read 5,21
